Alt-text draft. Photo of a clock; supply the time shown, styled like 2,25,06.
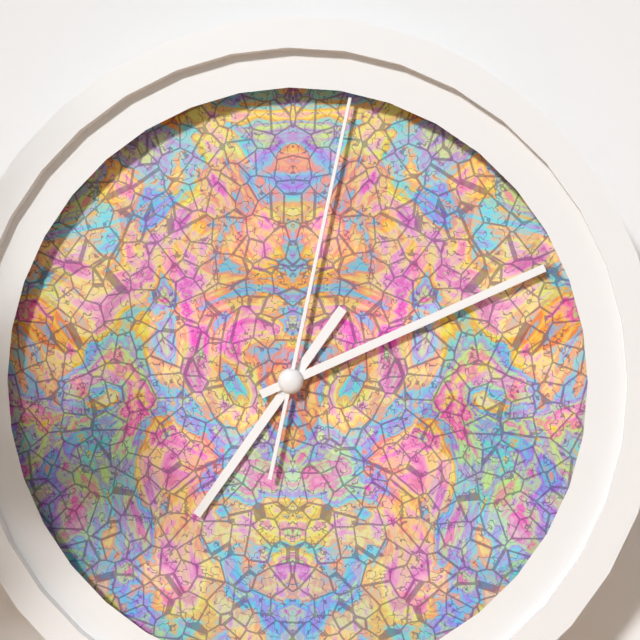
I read 7,11,02
